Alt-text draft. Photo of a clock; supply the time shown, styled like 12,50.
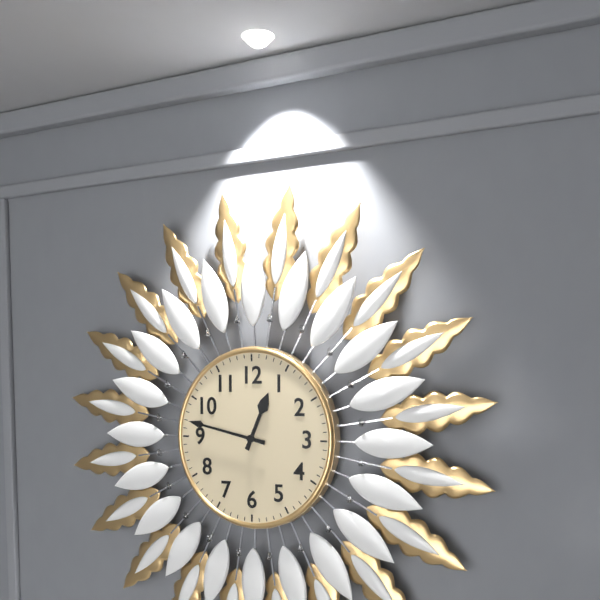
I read 12,47
